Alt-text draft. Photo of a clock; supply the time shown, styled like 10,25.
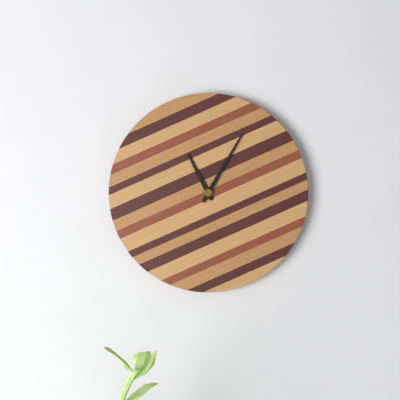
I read 11,05
